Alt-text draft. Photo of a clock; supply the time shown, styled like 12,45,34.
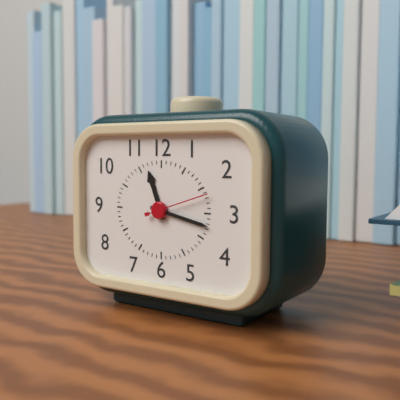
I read 11,17,12
